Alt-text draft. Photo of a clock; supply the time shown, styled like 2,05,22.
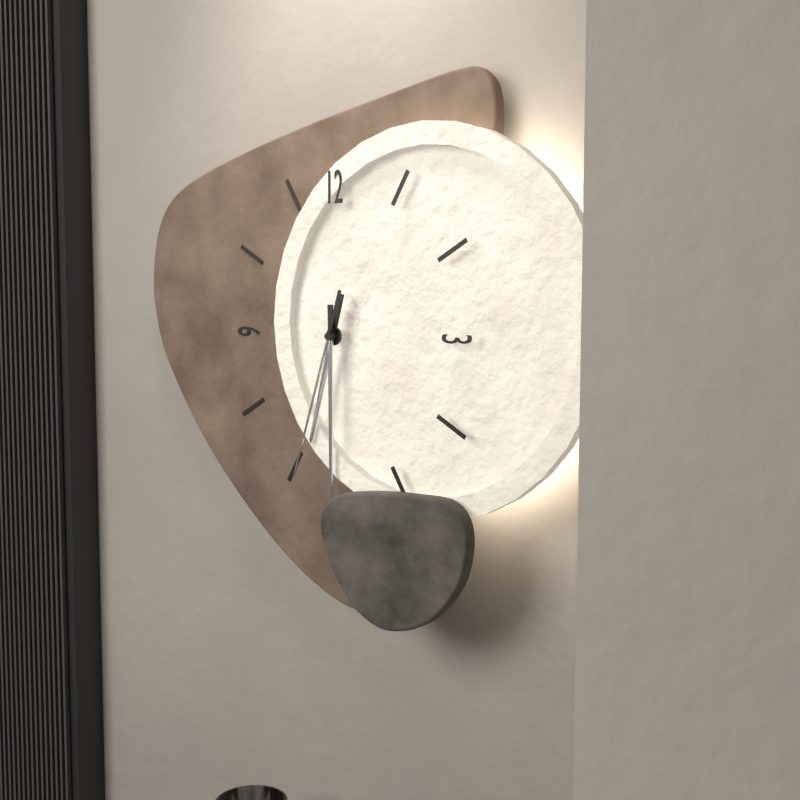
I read 6,30,33
